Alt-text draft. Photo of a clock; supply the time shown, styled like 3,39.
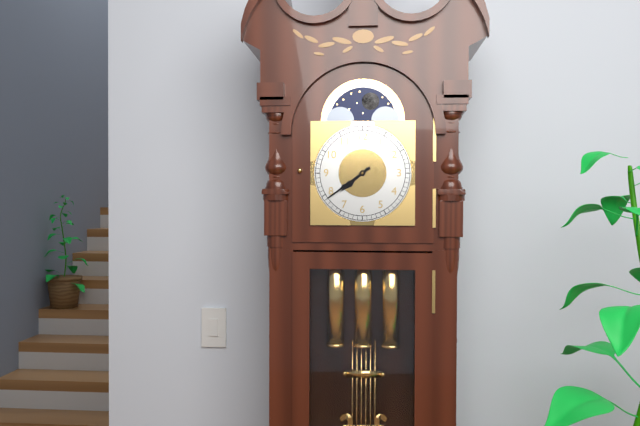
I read 7,39
